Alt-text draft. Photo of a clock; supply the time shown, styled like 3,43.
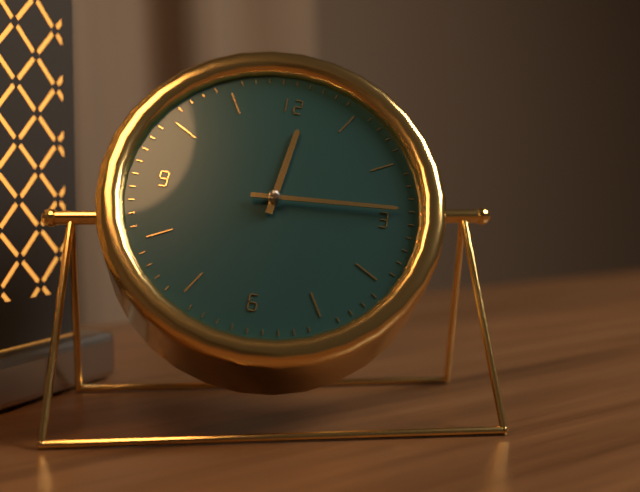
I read 12,14
